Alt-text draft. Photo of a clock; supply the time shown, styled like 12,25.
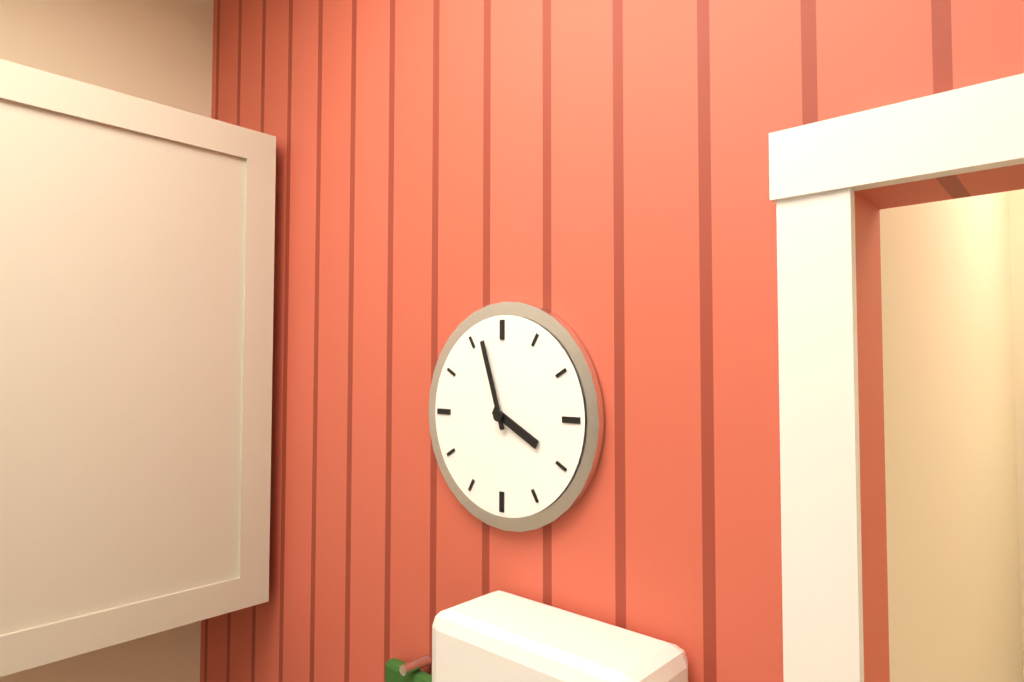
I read 3,57
